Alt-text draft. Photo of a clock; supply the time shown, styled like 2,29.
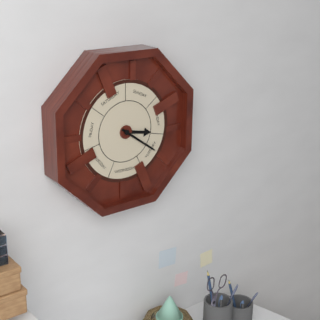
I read 3,21
